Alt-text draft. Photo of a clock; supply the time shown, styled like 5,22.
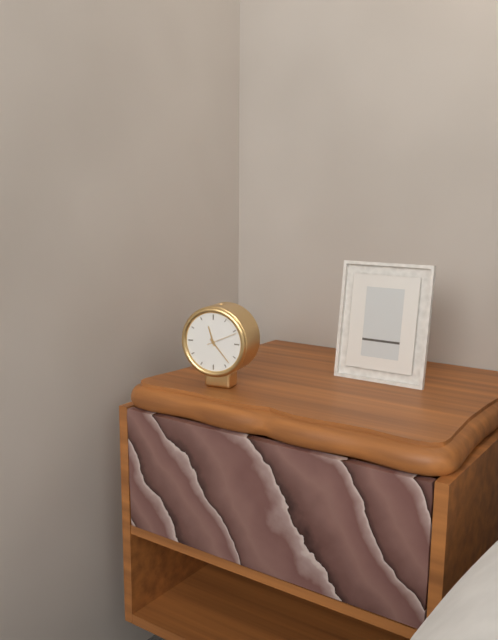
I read 11,23
